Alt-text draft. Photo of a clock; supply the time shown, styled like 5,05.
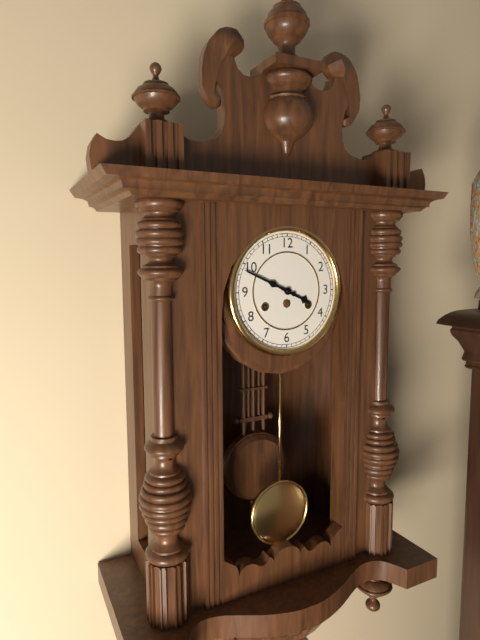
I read 3,49
